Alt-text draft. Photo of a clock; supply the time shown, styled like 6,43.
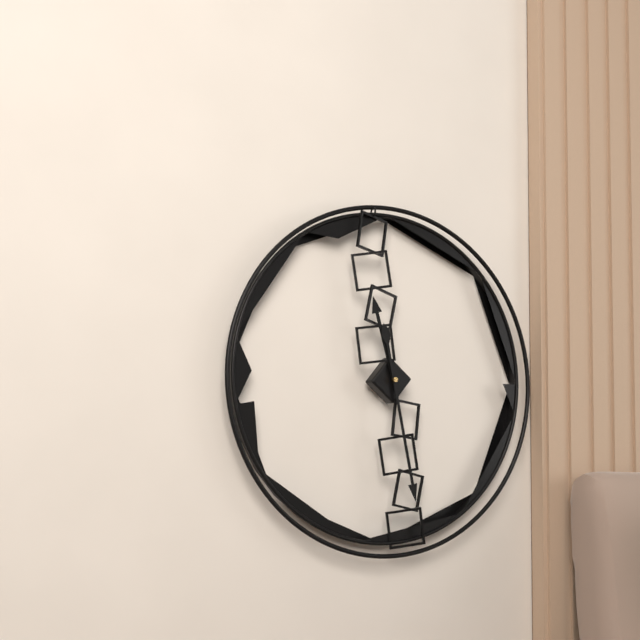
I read 11,28
